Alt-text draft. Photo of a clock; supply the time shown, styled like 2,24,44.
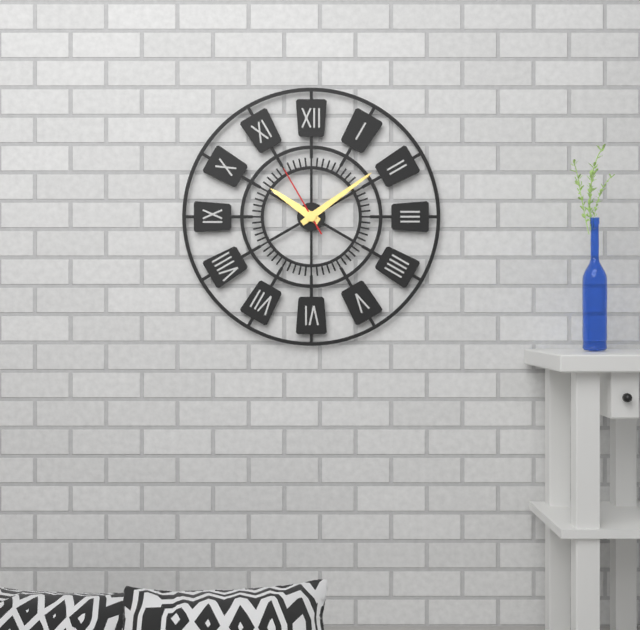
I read 10,09,55
